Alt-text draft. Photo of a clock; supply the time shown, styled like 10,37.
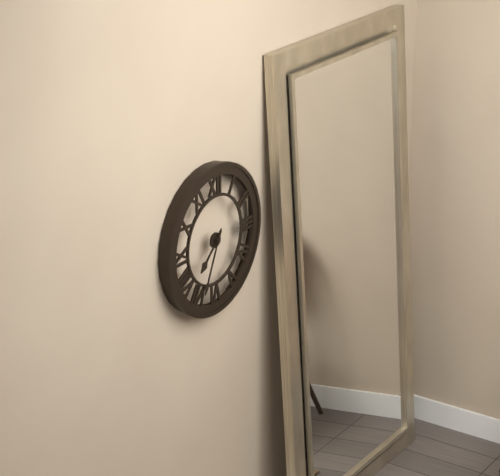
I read 7,34
